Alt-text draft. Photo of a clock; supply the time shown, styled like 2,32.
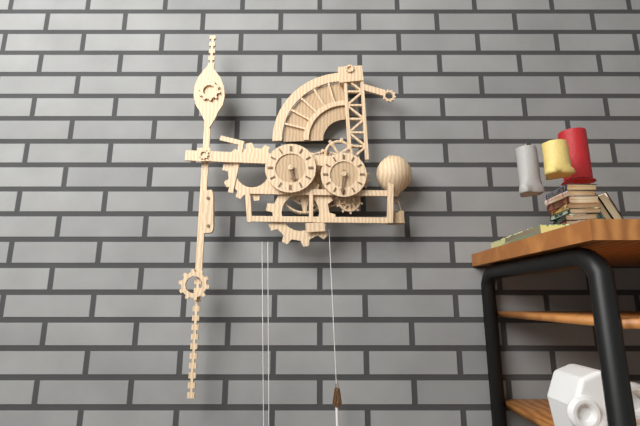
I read 5,31
